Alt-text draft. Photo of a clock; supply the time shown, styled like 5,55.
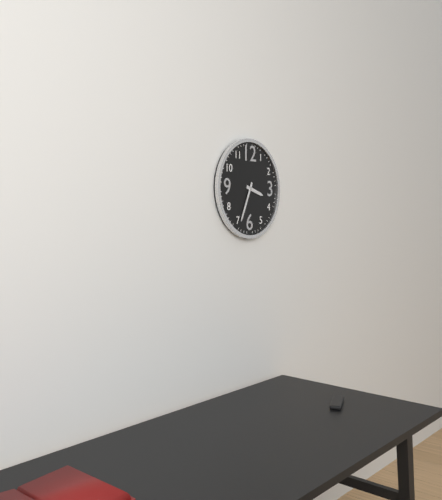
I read 3,34
